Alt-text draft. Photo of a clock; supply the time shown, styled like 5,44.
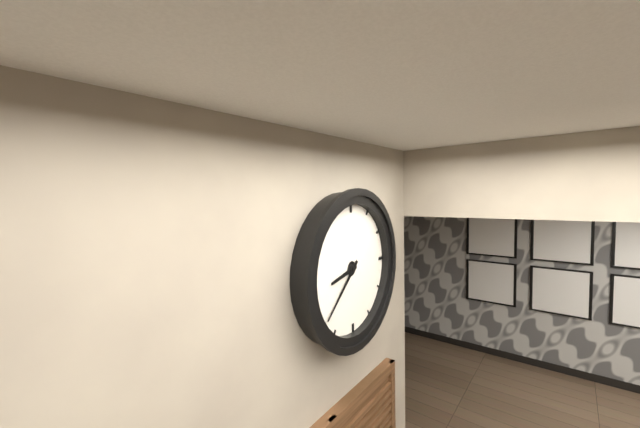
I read 8,38
